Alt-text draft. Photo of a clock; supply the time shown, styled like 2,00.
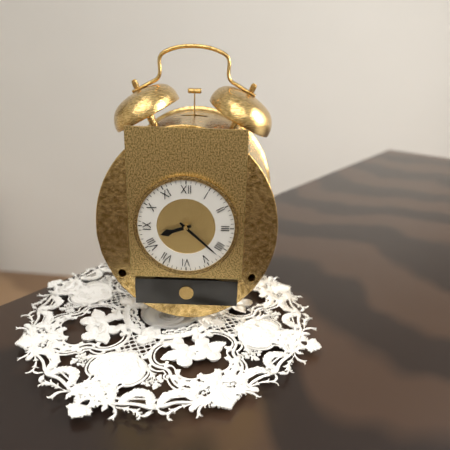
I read 8,22
